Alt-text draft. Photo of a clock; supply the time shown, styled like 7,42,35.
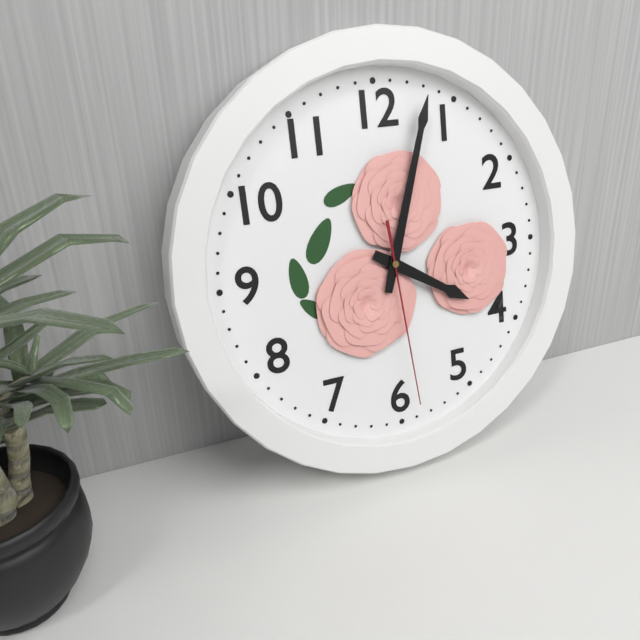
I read 4,03,29
